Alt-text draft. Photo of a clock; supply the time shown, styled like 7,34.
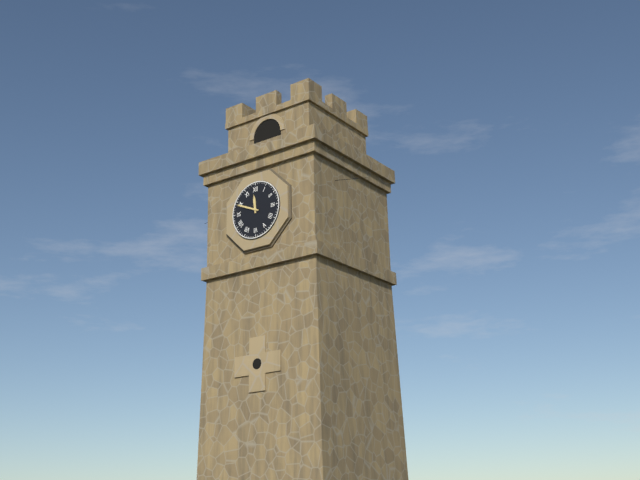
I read 11,49
